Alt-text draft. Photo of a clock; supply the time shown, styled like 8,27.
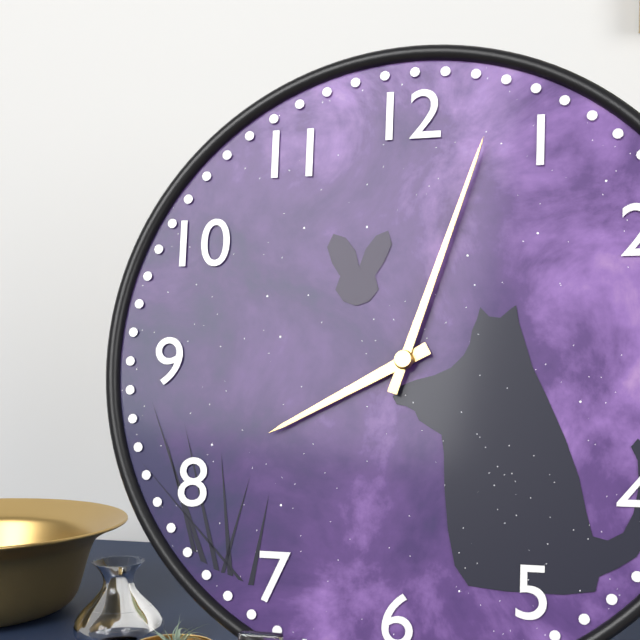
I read 8,03
